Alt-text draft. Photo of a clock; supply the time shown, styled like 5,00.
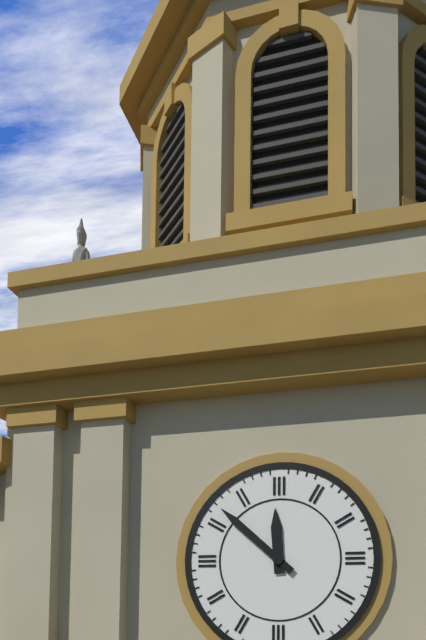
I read 11,52
